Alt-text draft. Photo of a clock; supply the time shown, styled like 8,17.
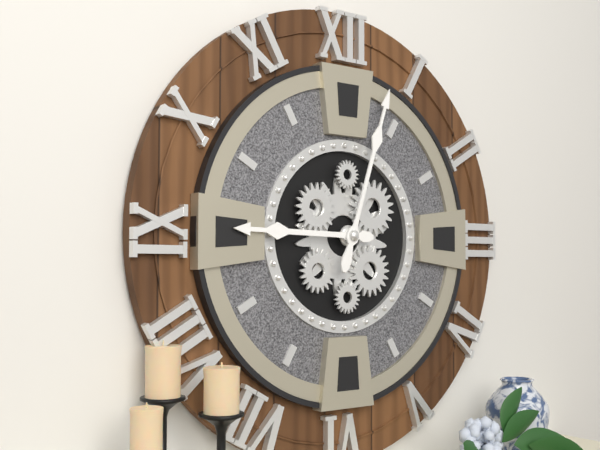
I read 9,03
